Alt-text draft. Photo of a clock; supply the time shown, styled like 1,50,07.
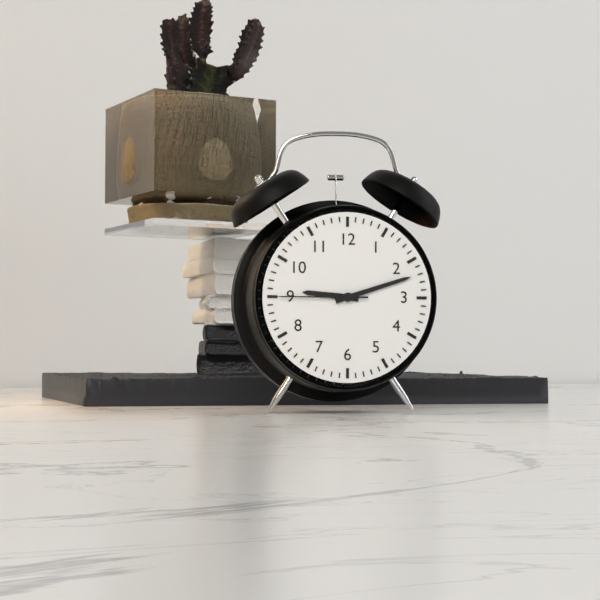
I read 9,12,45
